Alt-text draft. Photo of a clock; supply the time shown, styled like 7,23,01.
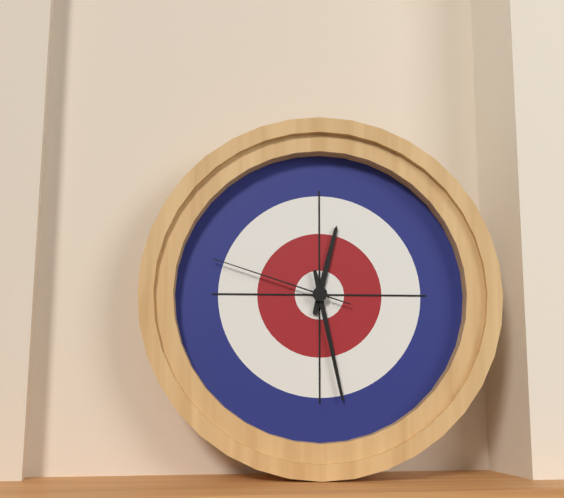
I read 12,28,48
